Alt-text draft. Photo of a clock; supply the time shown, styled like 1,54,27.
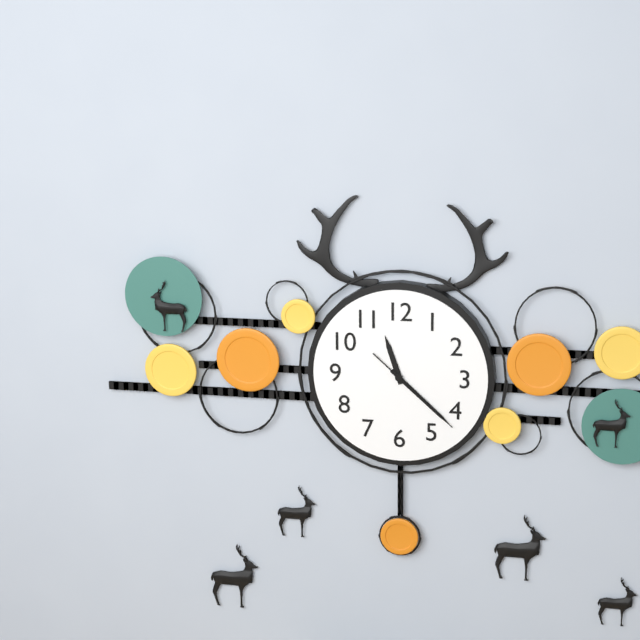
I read 11,22,22
